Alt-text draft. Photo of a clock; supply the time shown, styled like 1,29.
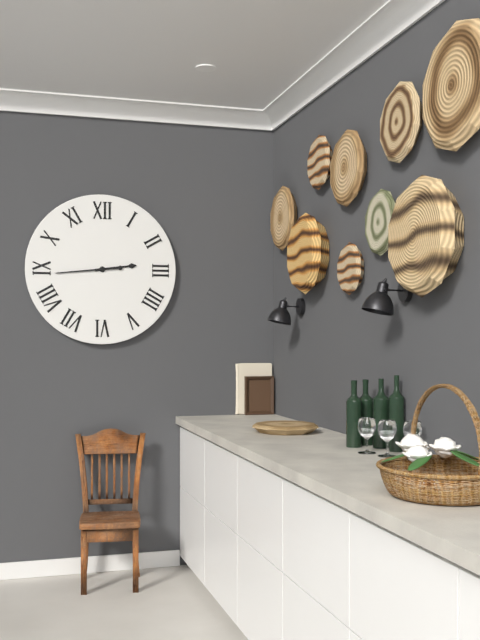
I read 2,44
